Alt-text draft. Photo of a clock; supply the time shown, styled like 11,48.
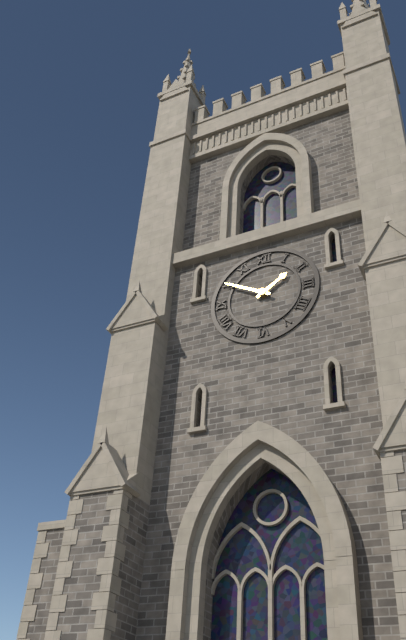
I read 1,50
